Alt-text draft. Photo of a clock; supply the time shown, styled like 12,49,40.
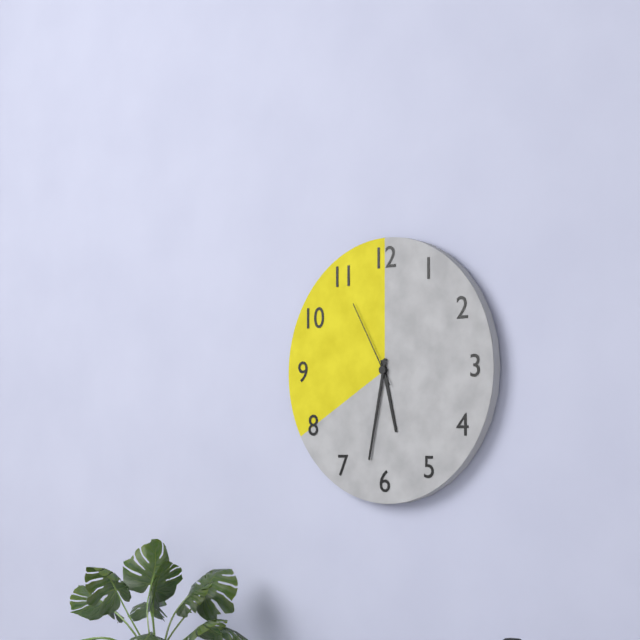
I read 5,32,55
